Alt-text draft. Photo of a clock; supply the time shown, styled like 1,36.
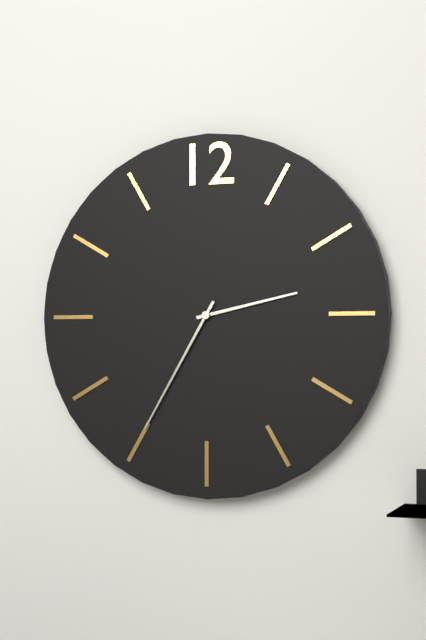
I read 2,35
